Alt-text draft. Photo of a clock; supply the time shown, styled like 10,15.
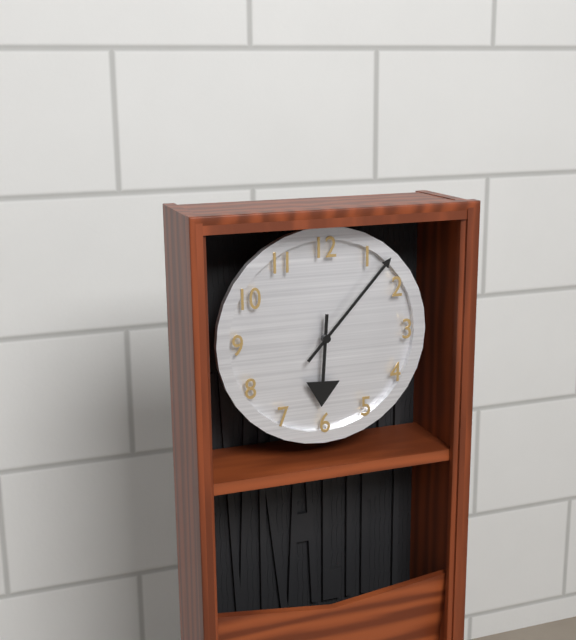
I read 6,07
